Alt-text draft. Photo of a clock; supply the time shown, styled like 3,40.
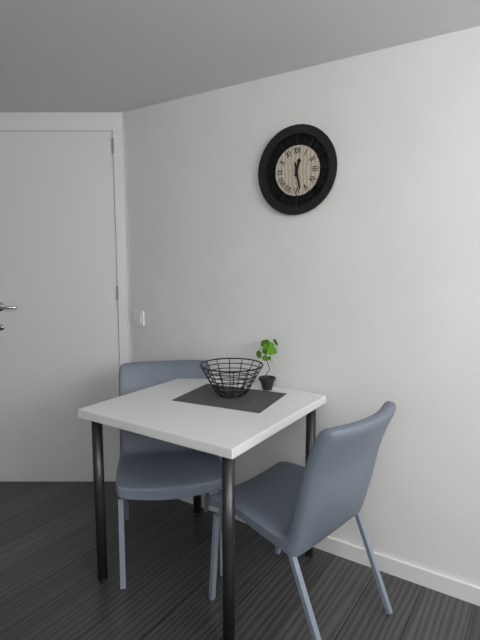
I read 12,28
